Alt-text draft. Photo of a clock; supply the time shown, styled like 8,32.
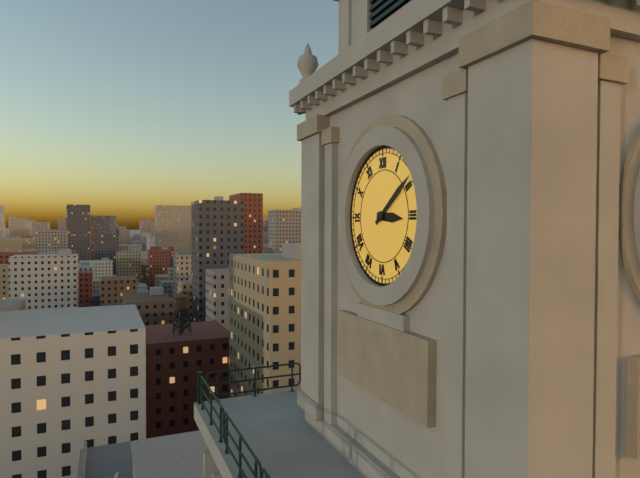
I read 3,09
